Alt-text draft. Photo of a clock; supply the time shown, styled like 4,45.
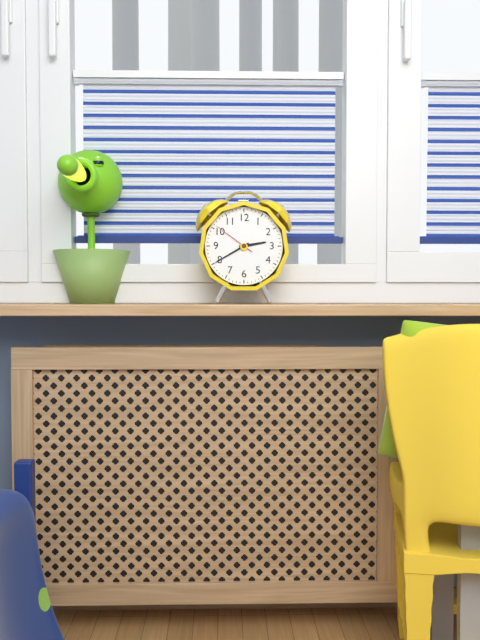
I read 2,40
